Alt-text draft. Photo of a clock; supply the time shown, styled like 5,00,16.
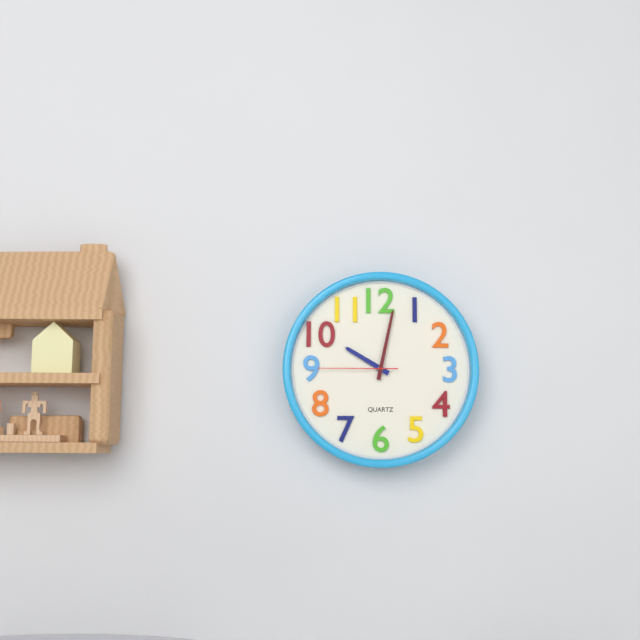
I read 10,02,45
